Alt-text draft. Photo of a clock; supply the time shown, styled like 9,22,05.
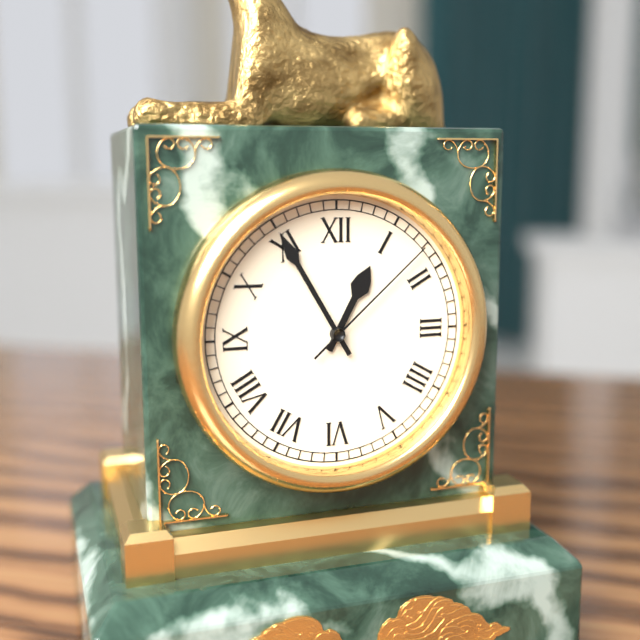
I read 12,55,08
